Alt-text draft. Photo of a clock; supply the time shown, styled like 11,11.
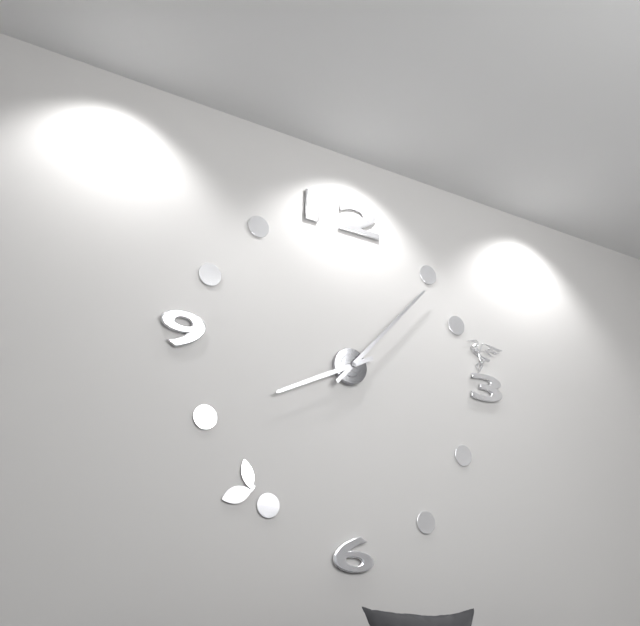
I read 8,07
